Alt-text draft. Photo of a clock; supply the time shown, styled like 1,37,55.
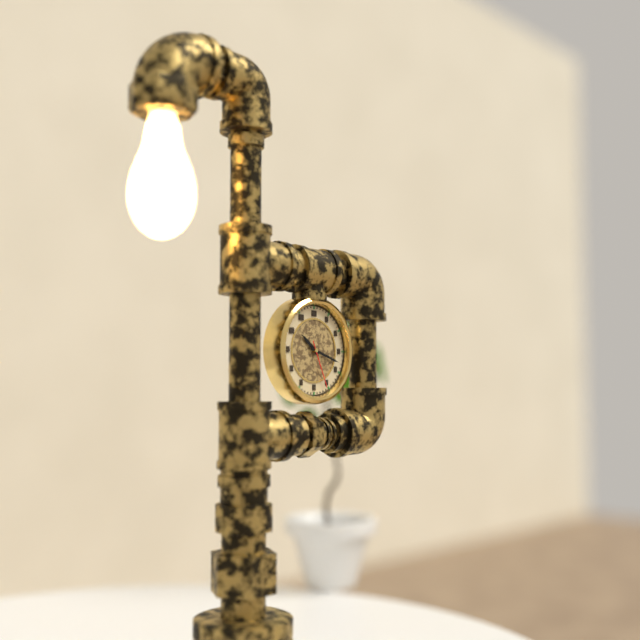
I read 10,18,26
